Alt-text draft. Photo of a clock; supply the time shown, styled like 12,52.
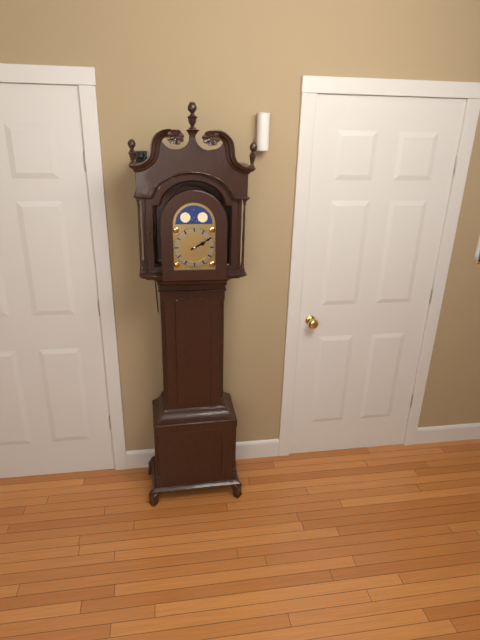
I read 2,10
